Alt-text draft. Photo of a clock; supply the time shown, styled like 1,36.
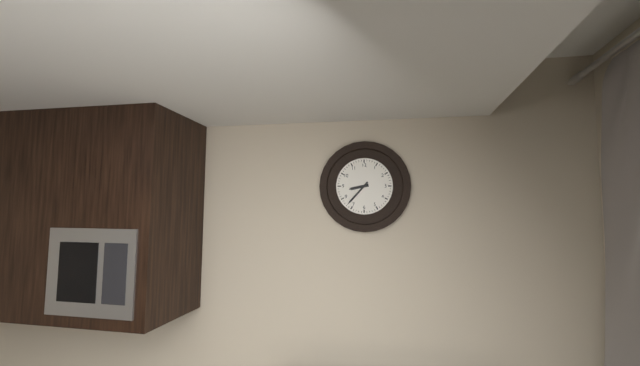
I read 8,37
